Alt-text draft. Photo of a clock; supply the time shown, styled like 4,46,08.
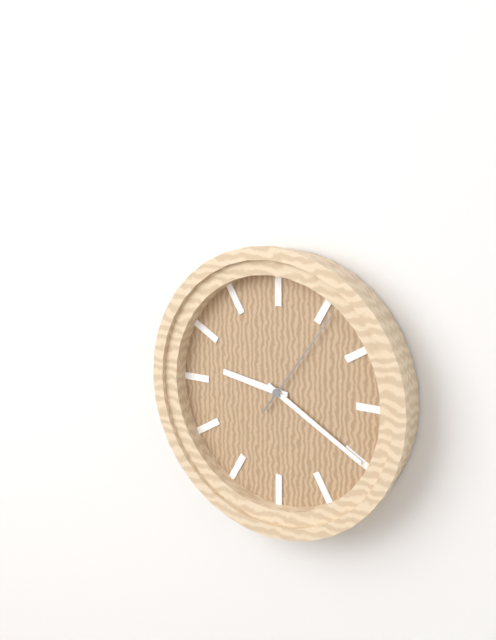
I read 9,20,06
